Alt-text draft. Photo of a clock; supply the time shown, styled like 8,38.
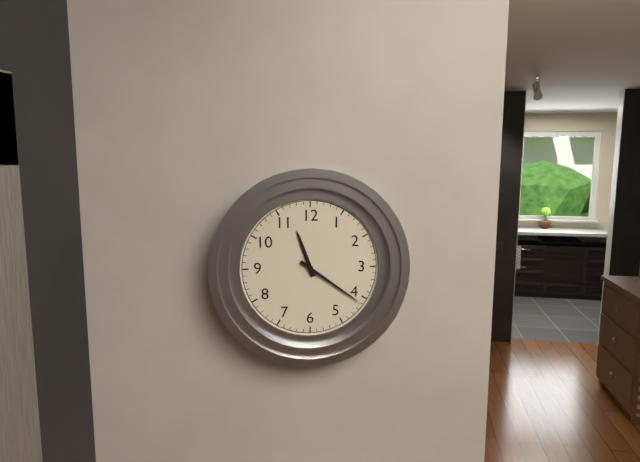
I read 11,21
